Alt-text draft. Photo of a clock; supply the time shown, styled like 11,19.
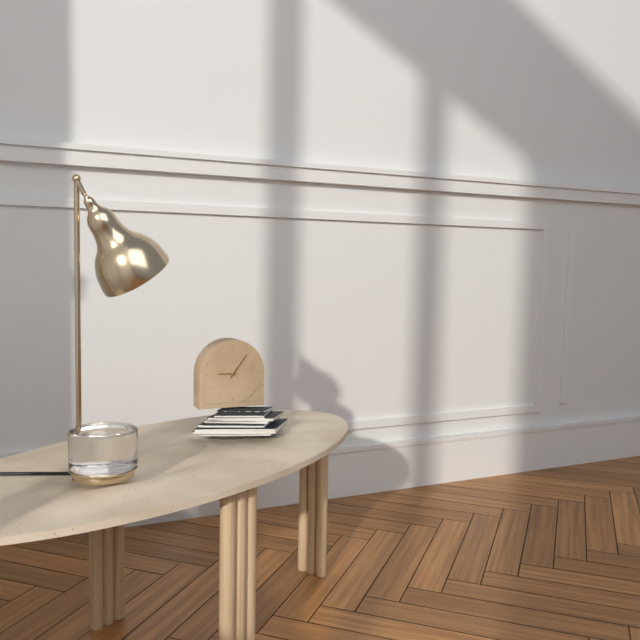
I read 9,06
